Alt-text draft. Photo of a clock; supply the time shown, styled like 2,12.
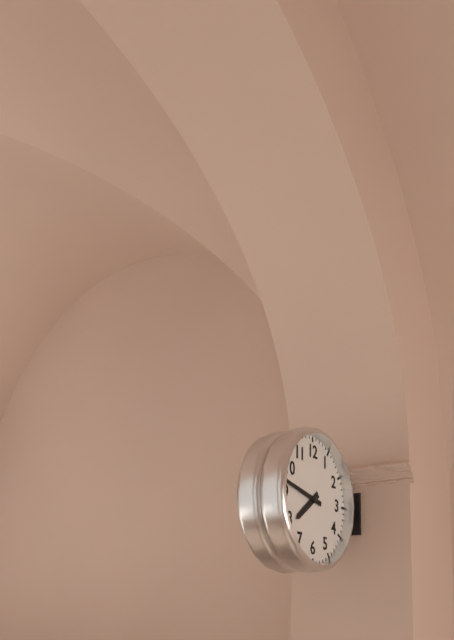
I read 7,47
